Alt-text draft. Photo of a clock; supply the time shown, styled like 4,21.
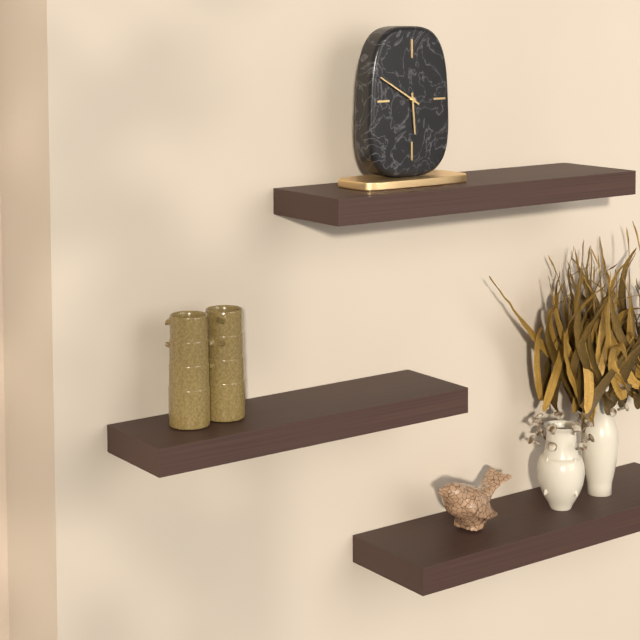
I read 5,50
